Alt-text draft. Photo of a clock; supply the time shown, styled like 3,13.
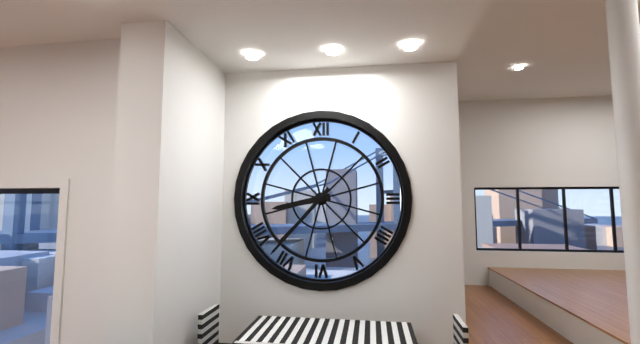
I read 8,37
